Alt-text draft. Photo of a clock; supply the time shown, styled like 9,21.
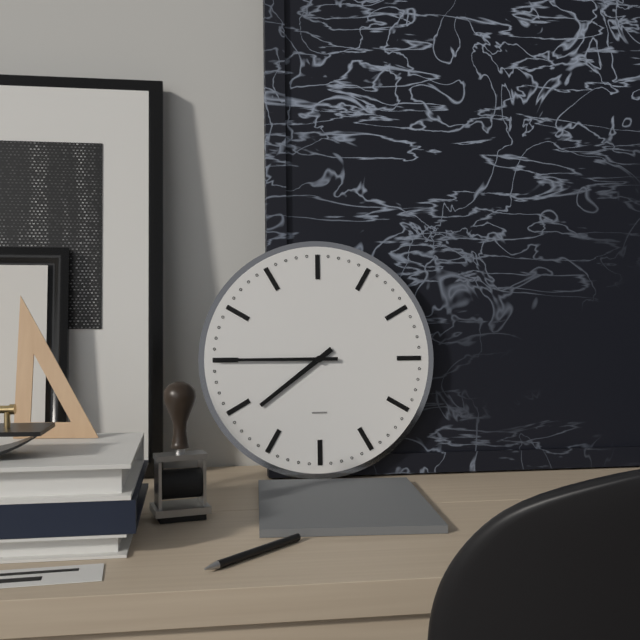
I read 7,45
